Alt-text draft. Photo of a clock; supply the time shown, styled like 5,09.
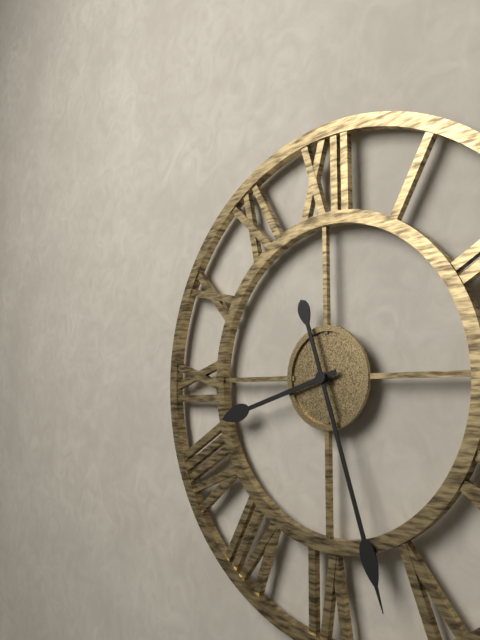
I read 8,27
